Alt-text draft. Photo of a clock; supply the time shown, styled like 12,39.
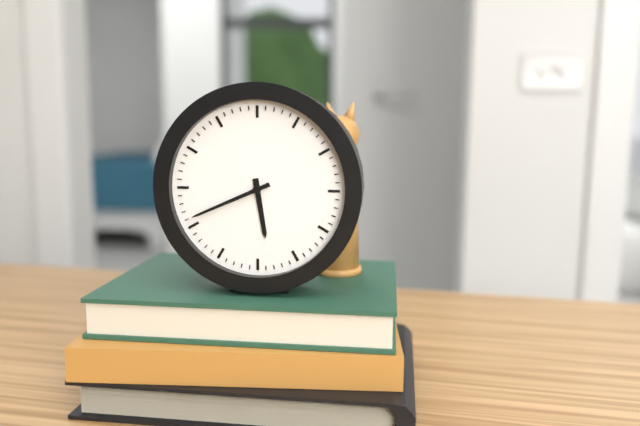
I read 5,41
